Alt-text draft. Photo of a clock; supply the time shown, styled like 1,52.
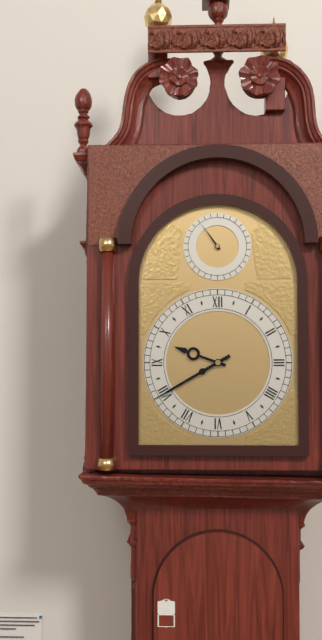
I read 9,40
